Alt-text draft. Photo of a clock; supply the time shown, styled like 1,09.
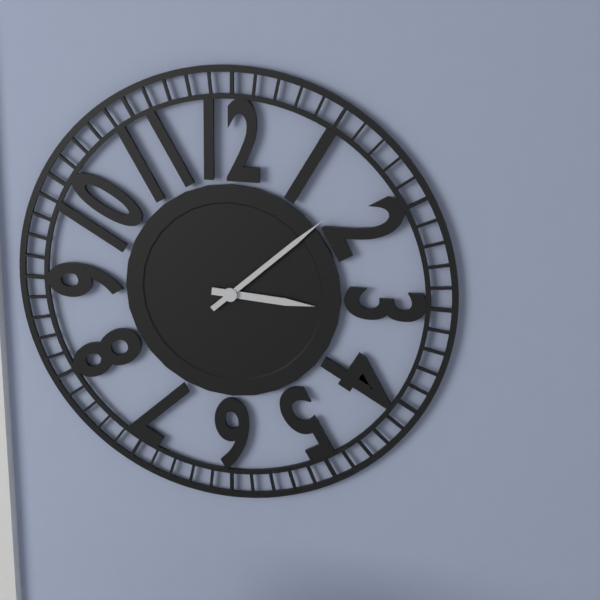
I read 3,08
